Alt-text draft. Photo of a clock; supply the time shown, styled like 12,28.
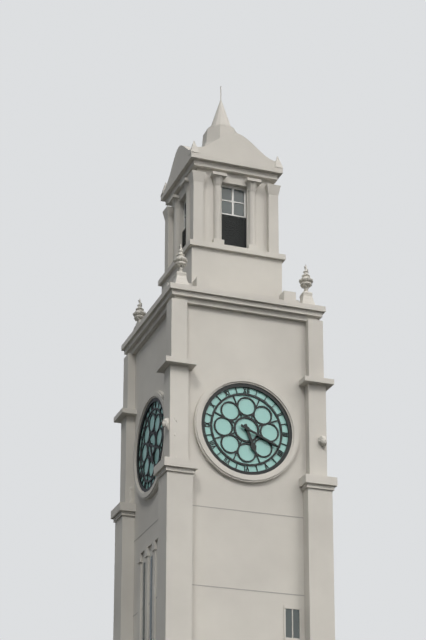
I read 5,19
